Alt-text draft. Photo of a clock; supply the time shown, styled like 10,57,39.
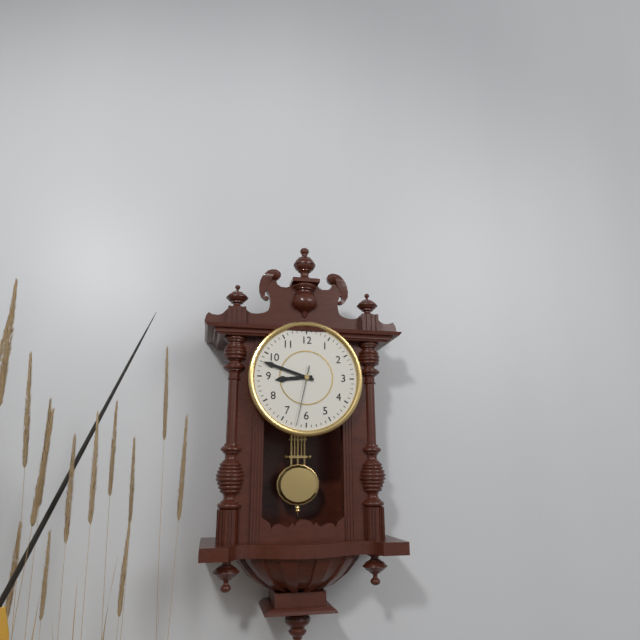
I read 8,48,32
